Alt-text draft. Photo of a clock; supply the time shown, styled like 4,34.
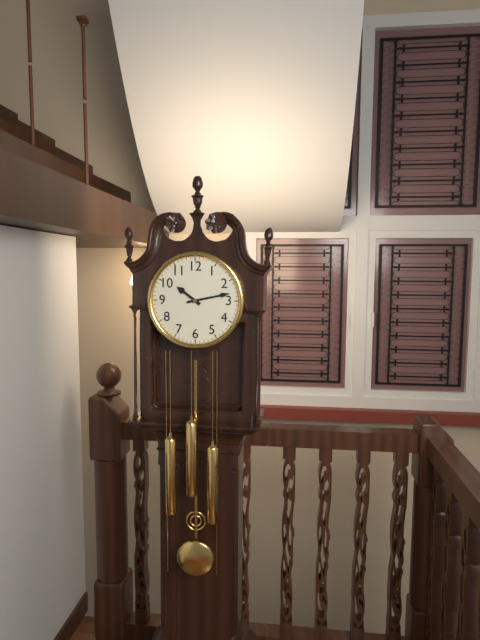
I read 10,13
